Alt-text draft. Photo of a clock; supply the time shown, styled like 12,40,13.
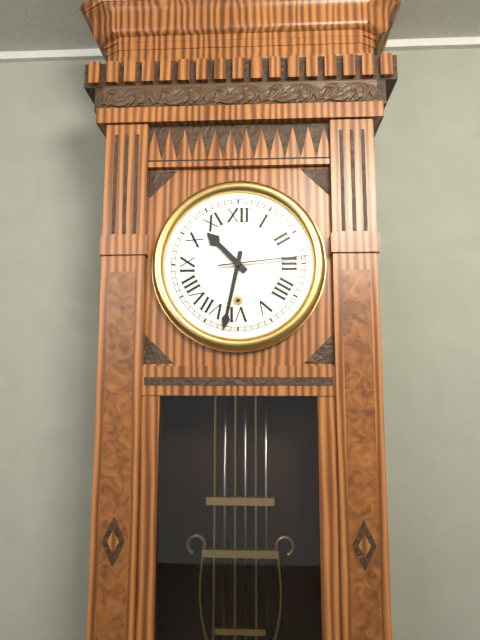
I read 10,32,14
